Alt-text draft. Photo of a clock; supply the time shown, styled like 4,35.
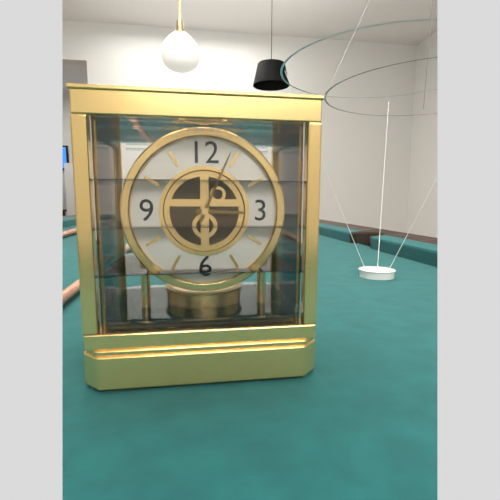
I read 3,04
